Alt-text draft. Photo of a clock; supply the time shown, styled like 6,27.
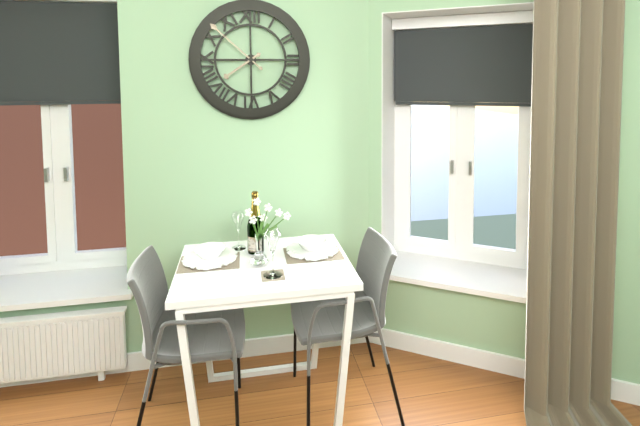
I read 7,52
